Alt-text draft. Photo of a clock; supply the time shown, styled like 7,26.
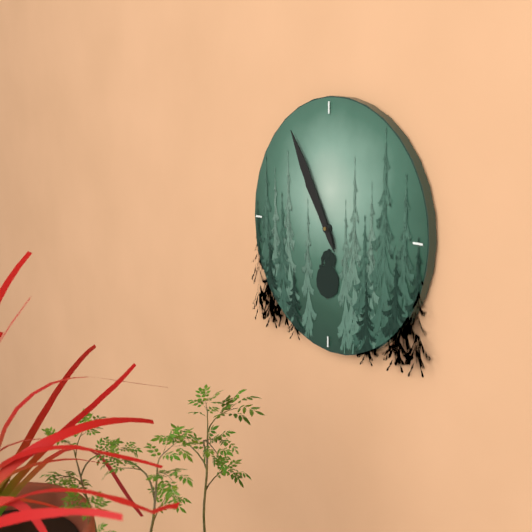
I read 10,55
